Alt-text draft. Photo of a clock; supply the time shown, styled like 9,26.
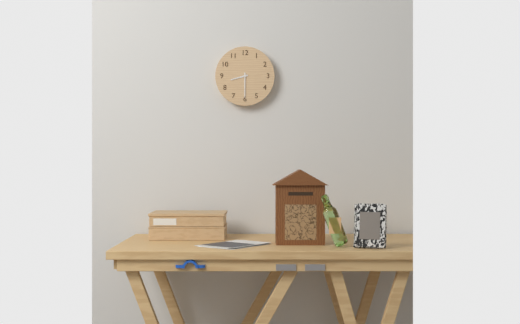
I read 8,30
